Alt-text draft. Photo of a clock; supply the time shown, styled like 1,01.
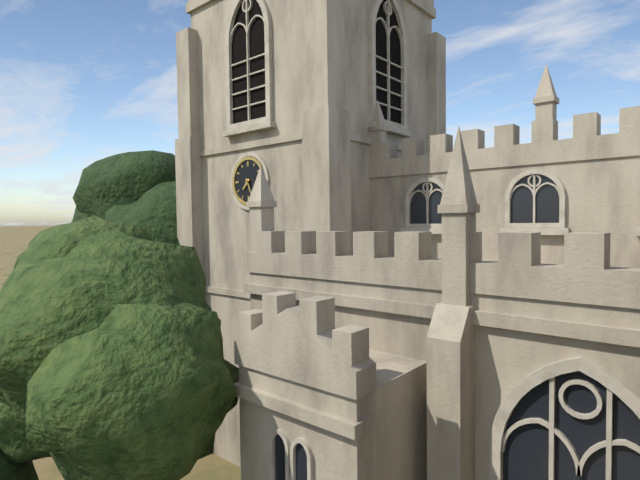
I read 7,26
